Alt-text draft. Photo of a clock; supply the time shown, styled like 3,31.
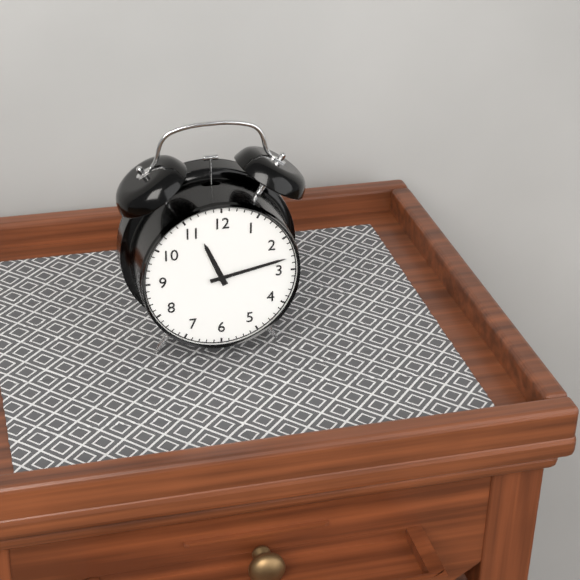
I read 11,13
